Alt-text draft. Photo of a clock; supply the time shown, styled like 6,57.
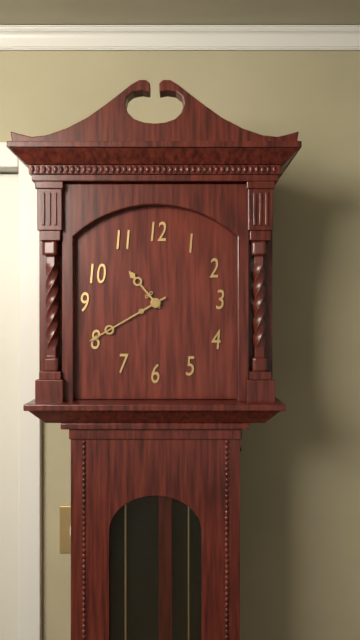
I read 10,40
